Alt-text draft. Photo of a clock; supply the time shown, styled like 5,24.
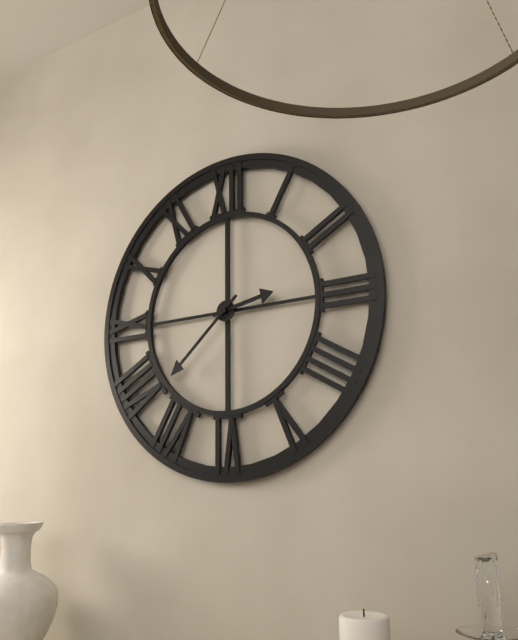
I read 2,38
